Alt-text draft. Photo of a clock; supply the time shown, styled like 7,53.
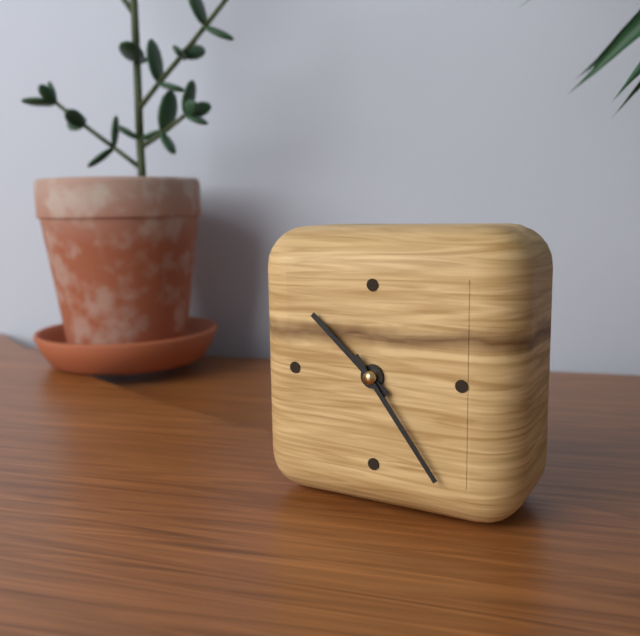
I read 10,24
